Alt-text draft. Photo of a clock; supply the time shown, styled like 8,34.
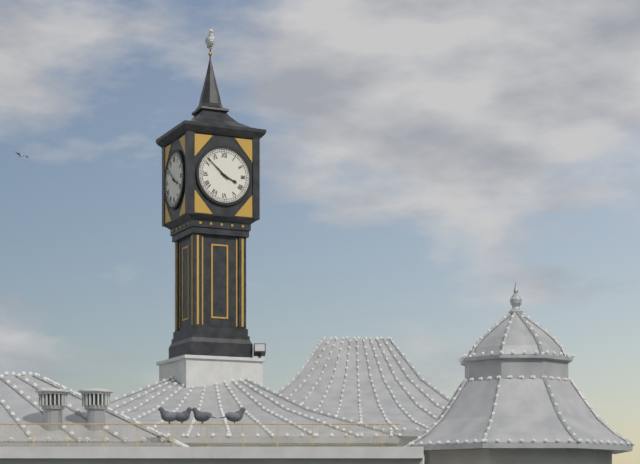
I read 3,52
